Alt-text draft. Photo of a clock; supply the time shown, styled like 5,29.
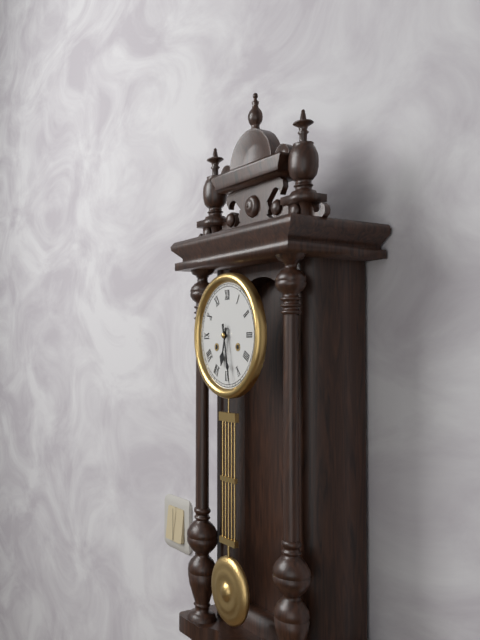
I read 6,28
